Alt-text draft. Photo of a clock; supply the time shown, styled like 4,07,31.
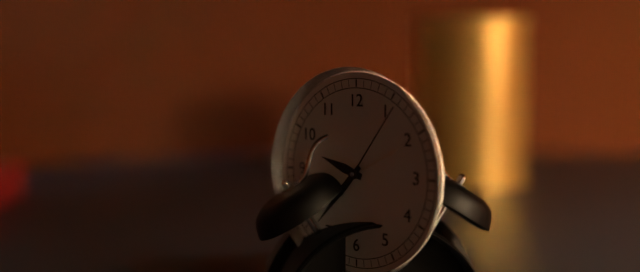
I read 9,37,06
